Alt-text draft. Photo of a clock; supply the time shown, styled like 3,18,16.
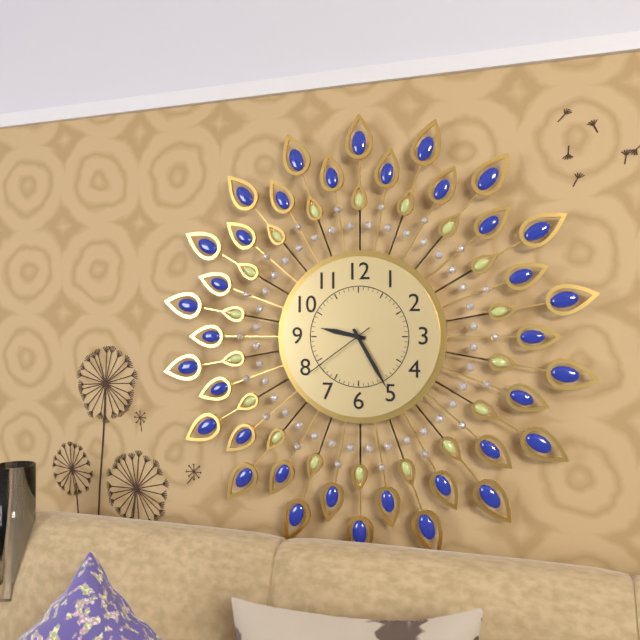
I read 9,25,39
